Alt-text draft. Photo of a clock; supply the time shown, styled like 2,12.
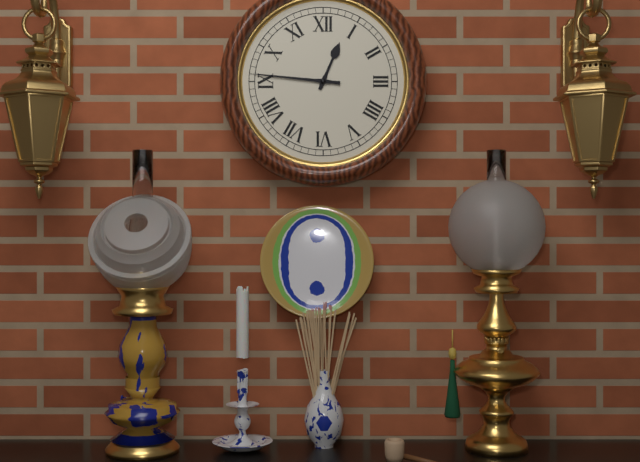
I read 12,46
